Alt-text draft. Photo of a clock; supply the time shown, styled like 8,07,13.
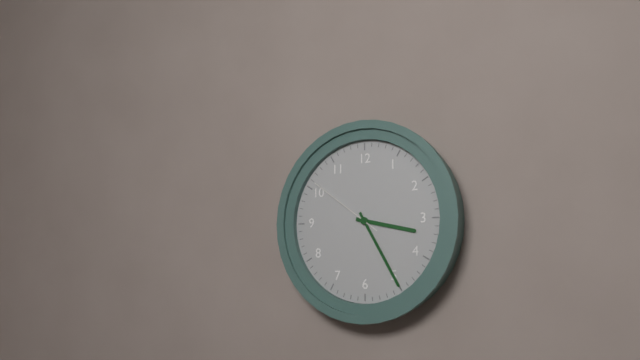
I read 3,25,51
